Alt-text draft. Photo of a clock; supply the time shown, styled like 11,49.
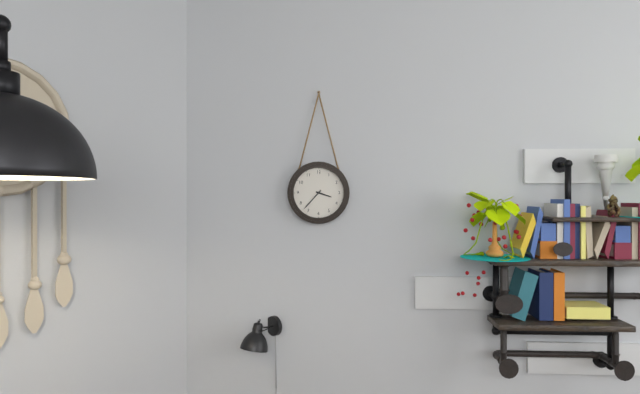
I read 3,37
